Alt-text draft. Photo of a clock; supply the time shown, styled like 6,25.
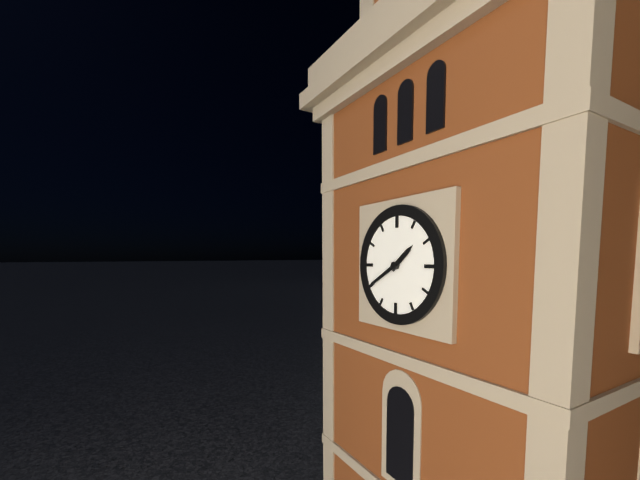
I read 1,40
